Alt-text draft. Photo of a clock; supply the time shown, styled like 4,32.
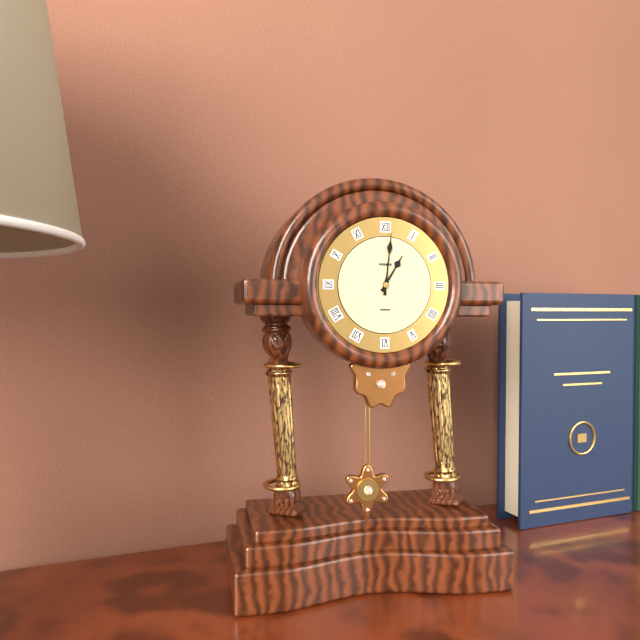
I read 1,01
